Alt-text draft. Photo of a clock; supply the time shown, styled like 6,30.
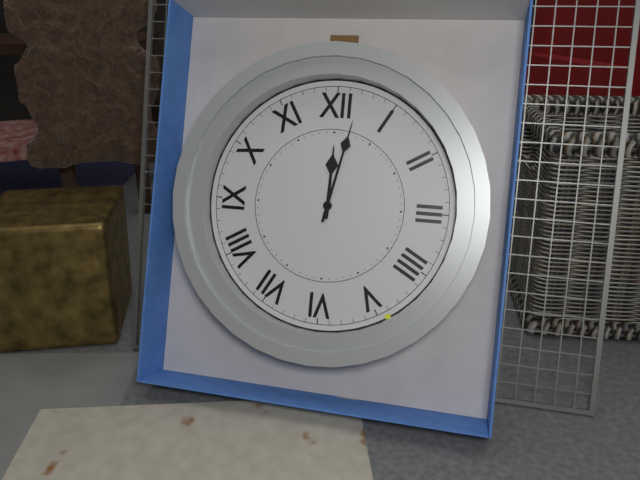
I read 12,02
